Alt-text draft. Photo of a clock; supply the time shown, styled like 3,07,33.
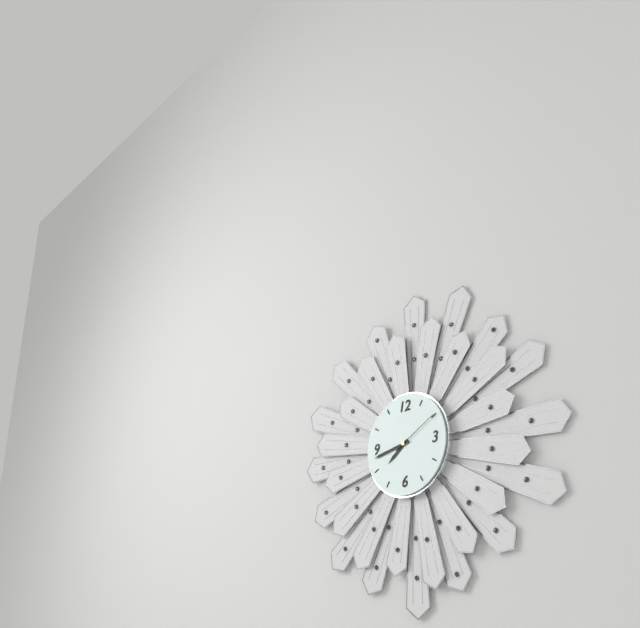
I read 7,43,10
